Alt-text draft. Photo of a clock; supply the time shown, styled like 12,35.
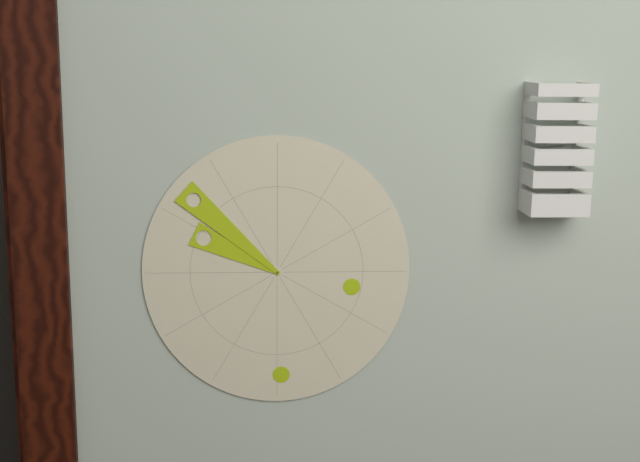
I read 9,52
